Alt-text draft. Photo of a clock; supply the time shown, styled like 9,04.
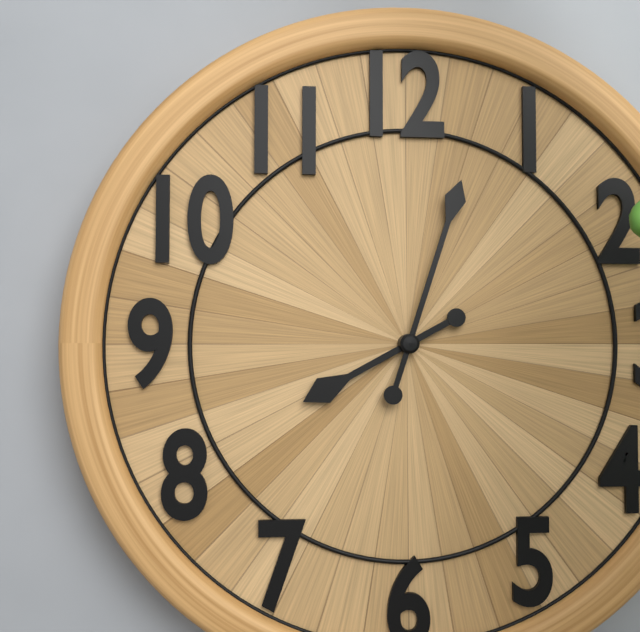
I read 8,03
